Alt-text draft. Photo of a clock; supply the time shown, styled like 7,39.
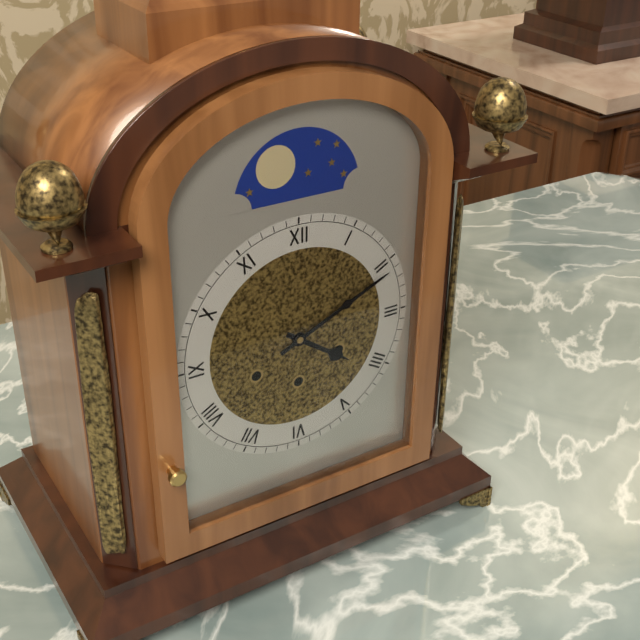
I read 4,11
